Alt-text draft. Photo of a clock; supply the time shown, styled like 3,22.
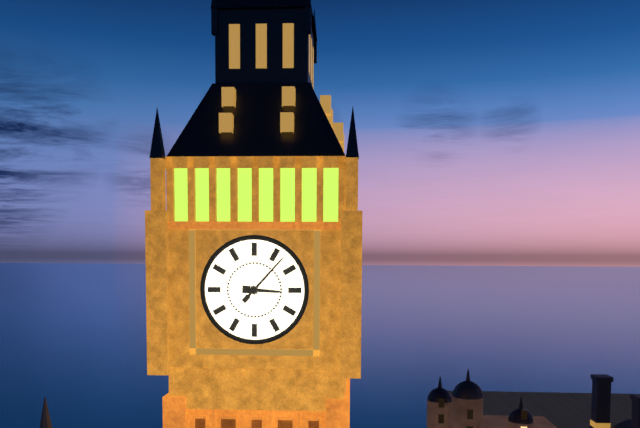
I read 3,07
